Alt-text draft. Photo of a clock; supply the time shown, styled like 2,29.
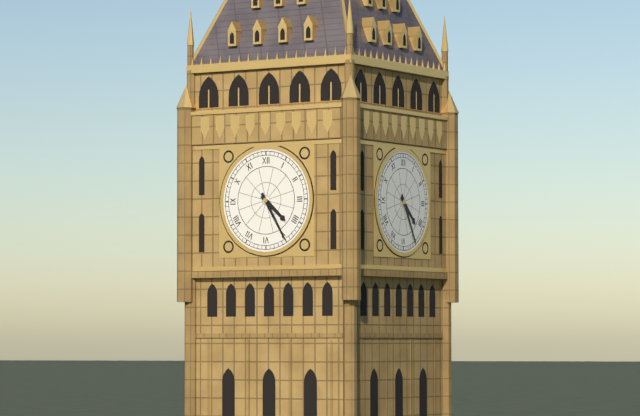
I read 4,25
